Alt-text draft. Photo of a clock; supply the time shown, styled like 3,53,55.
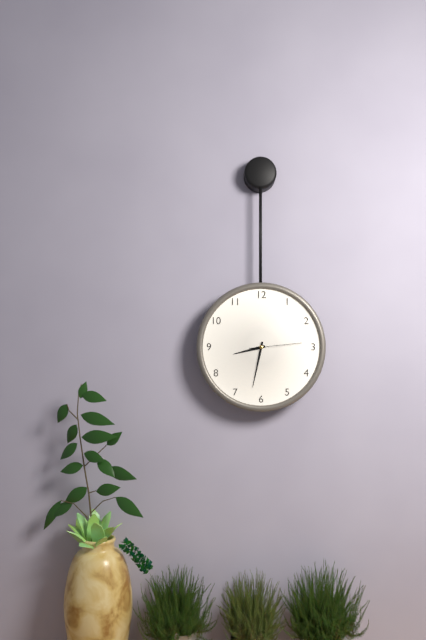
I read 8,32,14
